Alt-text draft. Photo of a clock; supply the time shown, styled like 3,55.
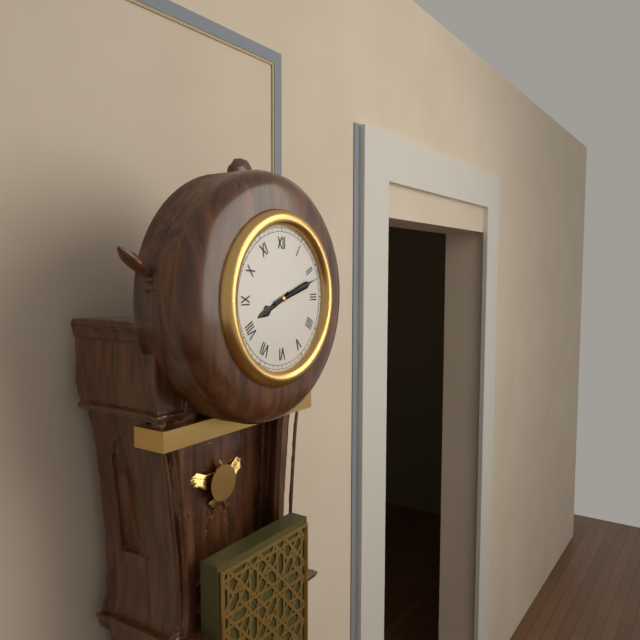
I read 8,12
